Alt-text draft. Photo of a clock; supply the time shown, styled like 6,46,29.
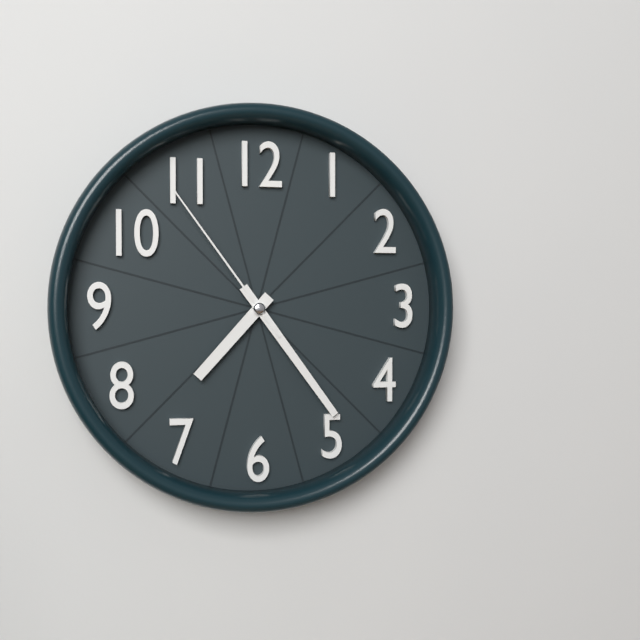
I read 7,24,54
